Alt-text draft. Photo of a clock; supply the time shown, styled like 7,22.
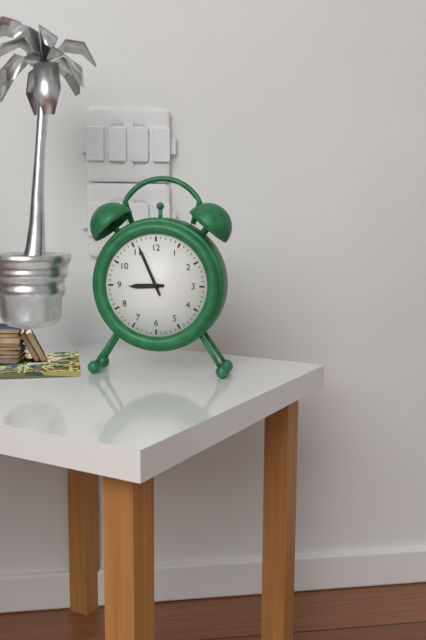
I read 8,56
